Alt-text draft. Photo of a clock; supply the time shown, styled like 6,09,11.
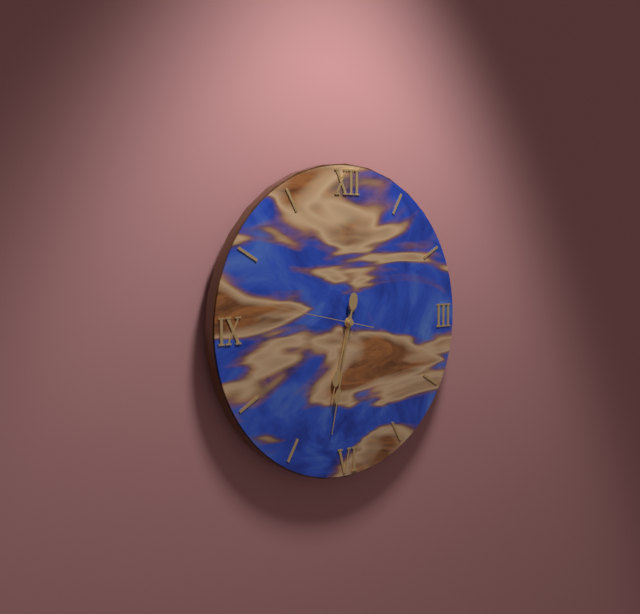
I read 6,32,47
